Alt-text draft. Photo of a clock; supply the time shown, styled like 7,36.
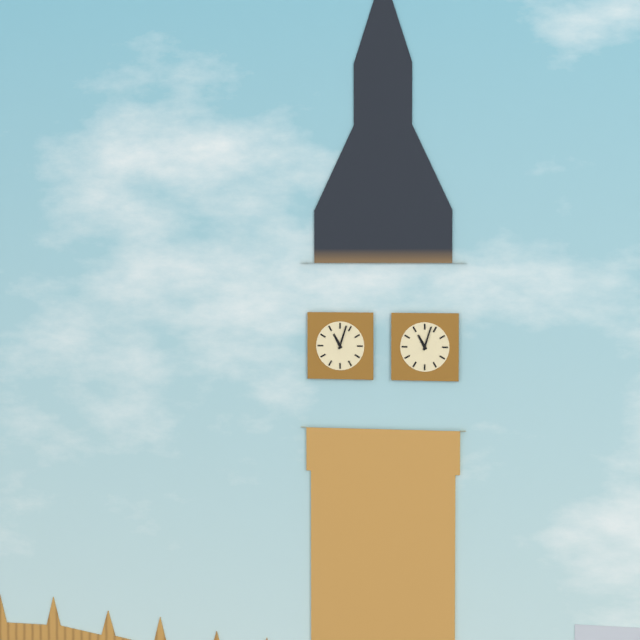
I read 11,03
